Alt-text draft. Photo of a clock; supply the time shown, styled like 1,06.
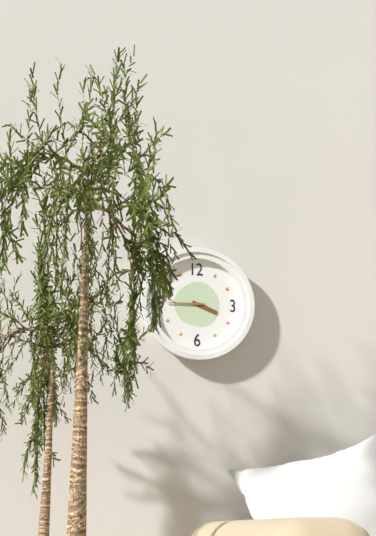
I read 3,45
